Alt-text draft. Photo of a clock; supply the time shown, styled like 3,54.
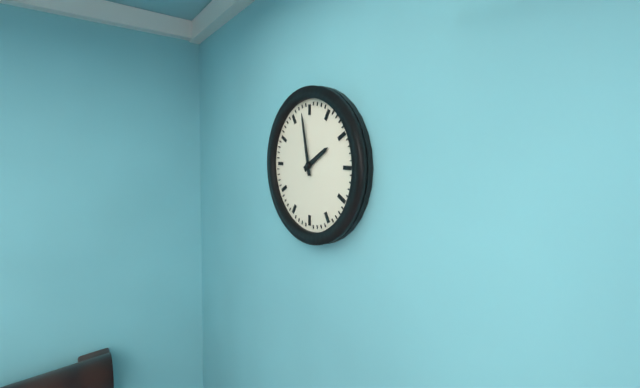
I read 1,58
